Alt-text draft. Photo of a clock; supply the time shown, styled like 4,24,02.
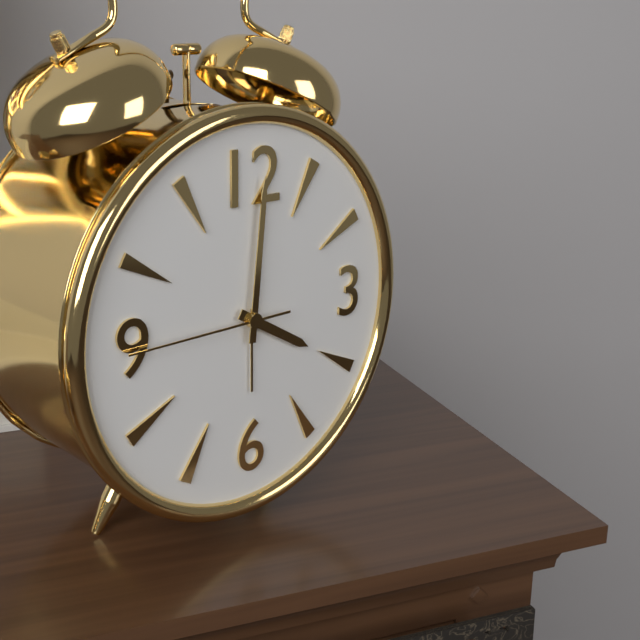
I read 4,01,45
